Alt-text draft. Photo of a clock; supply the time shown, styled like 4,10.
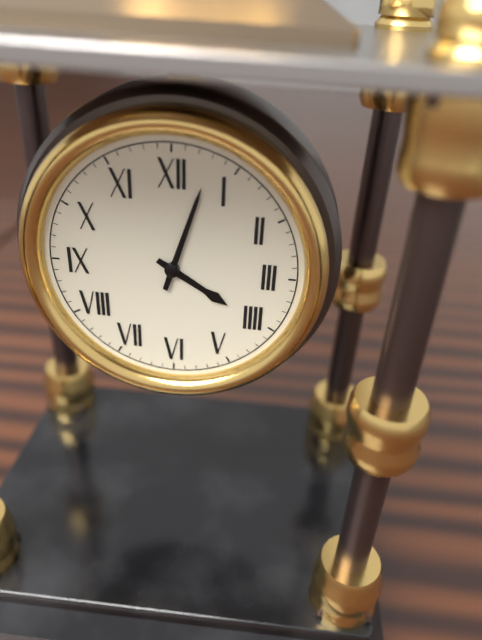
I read 4,03
